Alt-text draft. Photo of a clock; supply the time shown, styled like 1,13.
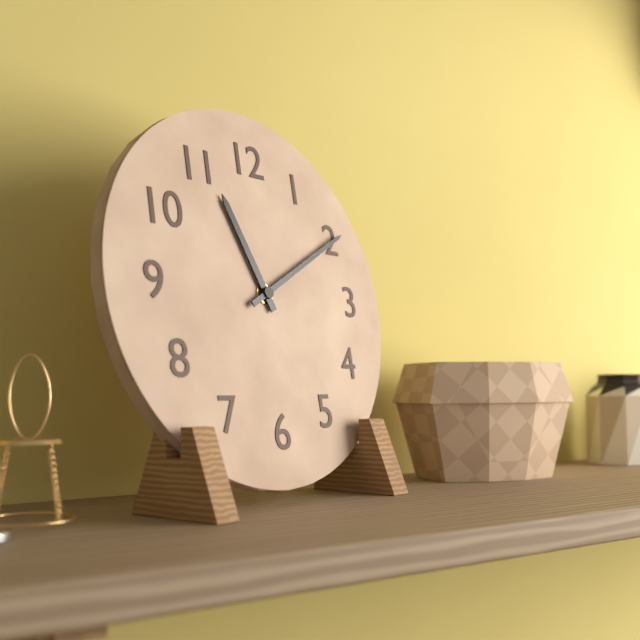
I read 11,10
